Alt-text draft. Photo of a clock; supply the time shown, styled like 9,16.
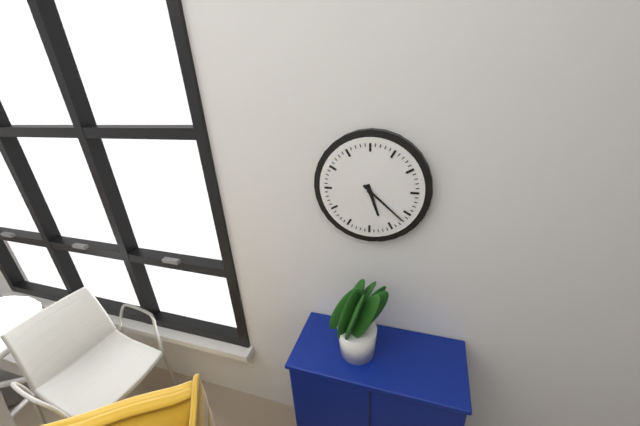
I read 5,22
